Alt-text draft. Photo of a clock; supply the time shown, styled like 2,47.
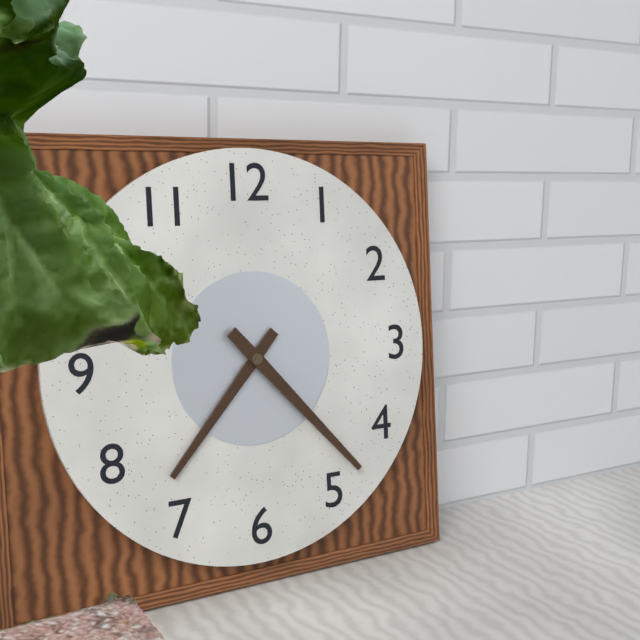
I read 7,23
